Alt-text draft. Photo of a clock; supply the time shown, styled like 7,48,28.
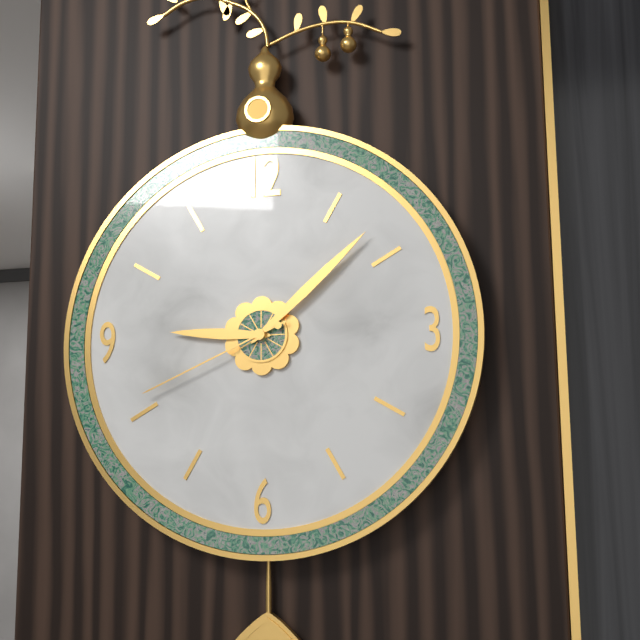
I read 9,08,41
